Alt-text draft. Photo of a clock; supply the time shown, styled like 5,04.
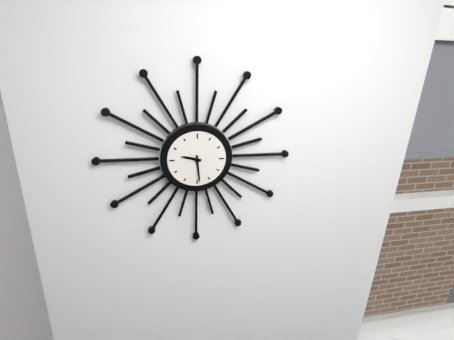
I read 9,29
